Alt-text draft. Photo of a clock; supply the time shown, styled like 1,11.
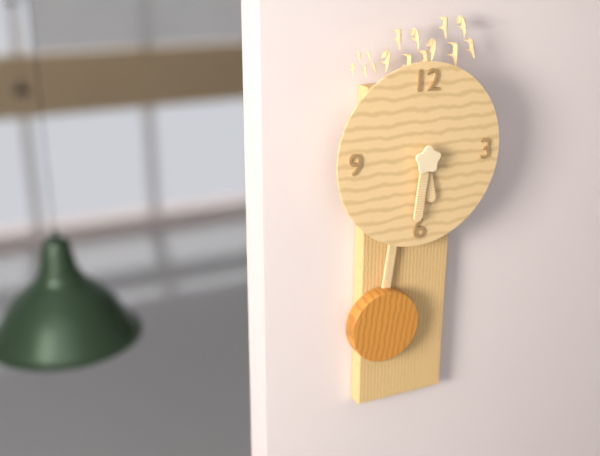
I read 5,31
